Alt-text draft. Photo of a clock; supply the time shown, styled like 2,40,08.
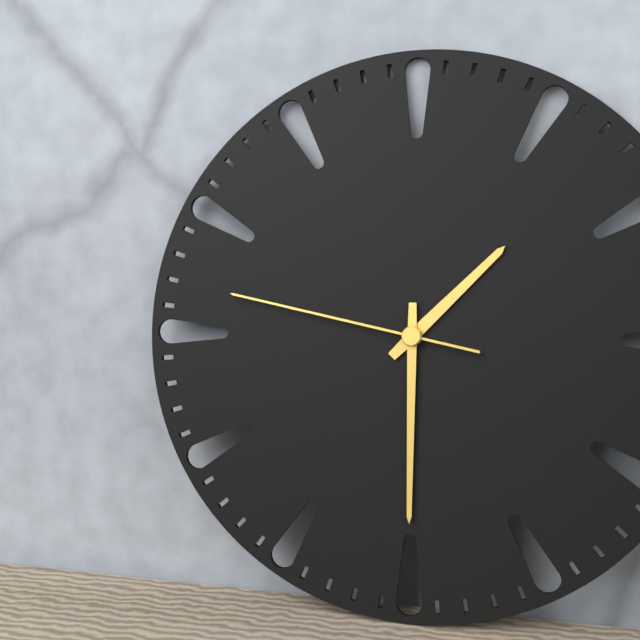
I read 1,30,47
